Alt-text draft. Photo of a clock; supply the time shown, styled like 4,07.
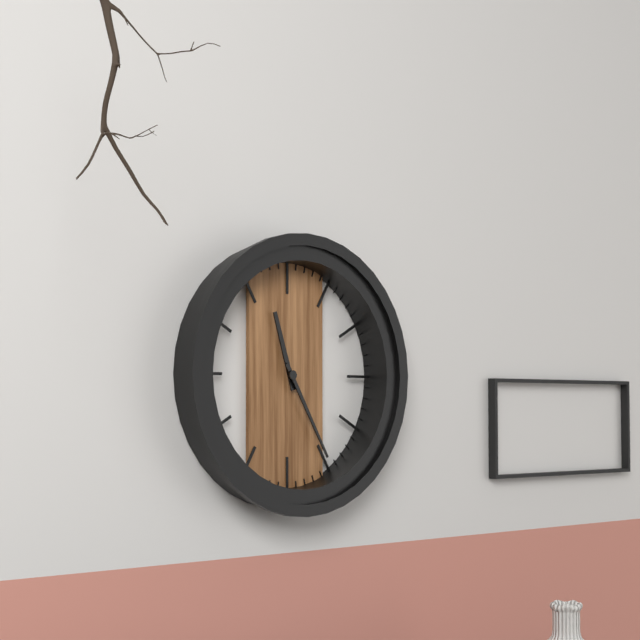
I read 11,25
